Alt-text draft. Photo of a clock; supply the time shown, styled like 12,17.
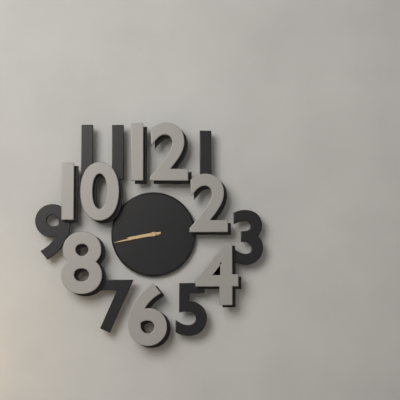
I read 8,43
